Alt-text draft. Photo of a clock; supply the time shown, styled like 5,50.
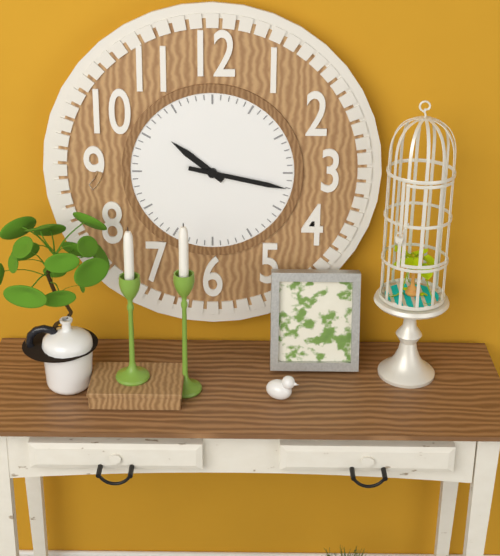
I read 10,17
